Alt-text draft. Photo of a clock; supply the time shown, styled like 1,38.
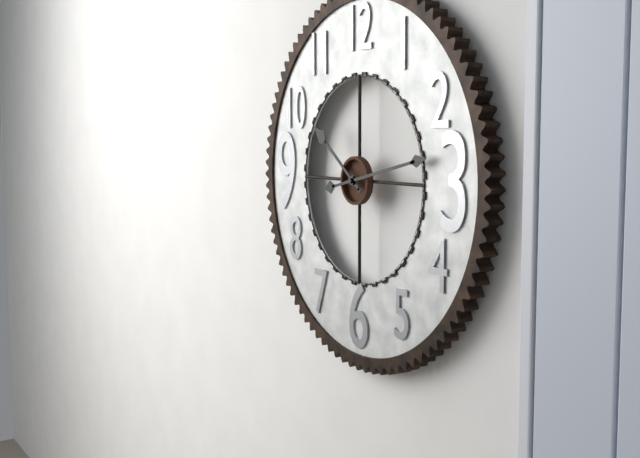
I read 10,13
